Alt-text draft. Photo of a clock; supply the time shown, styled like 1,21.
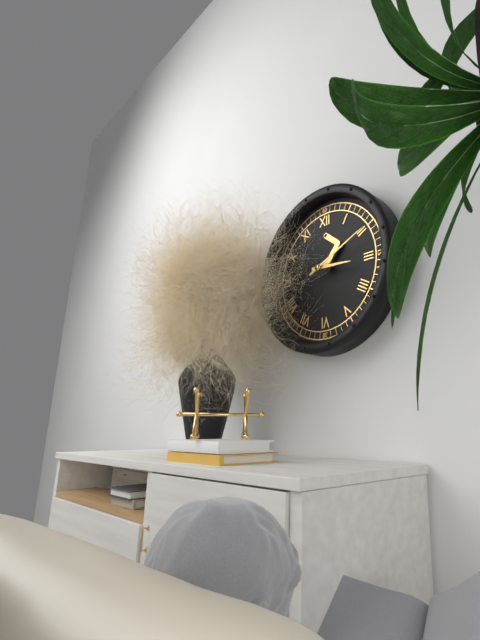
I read 3,11
